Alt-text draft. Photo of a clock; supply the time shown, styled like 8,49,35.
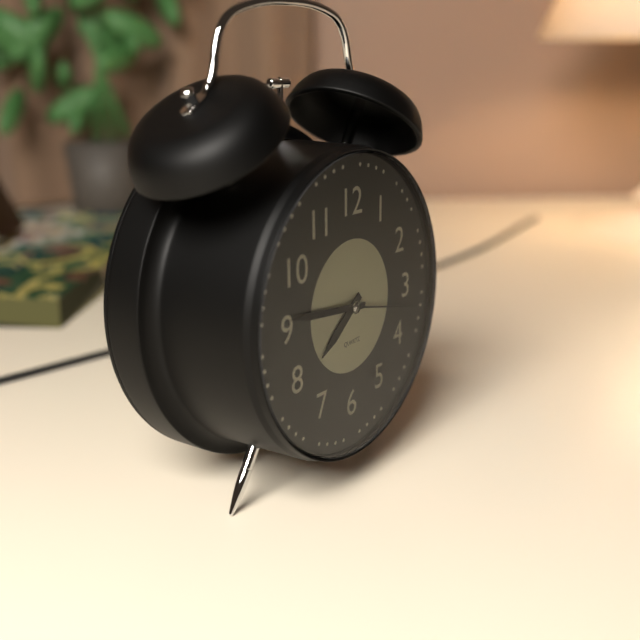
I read 7,46,17
